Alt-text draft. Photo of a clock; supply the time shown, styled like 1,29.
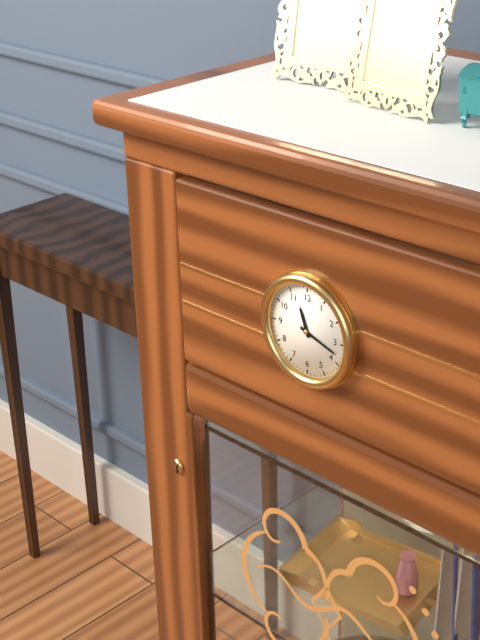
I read 11,18
